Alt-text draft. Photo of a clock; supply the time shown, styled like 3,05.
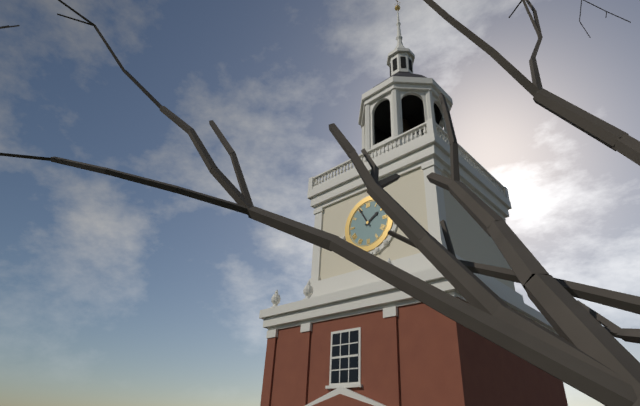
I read 1,55
